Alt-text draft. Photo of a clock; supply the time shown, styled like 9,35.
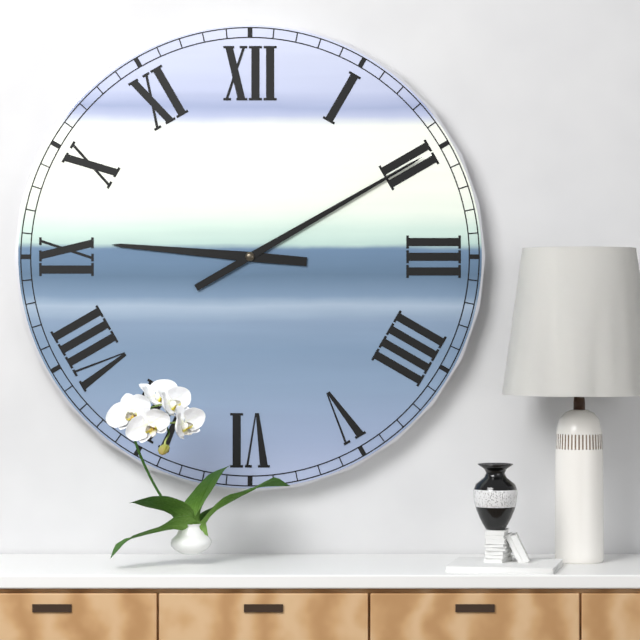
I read 9,10
